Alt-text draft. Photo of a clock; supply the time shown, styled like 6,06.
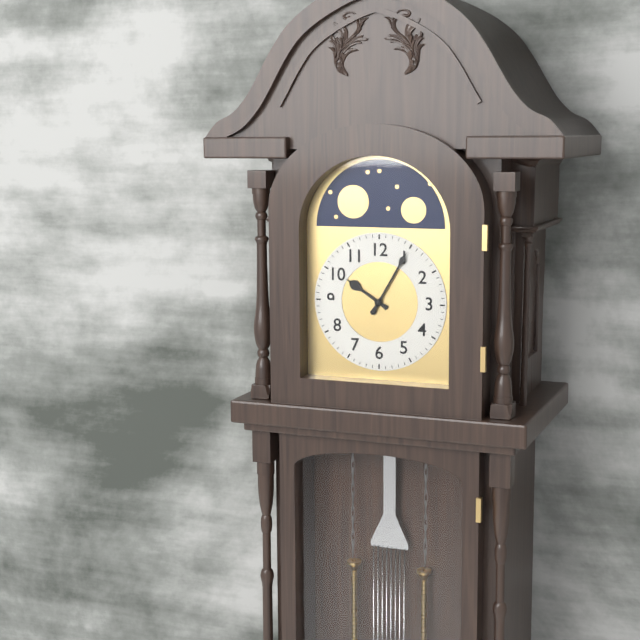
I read 10,05
